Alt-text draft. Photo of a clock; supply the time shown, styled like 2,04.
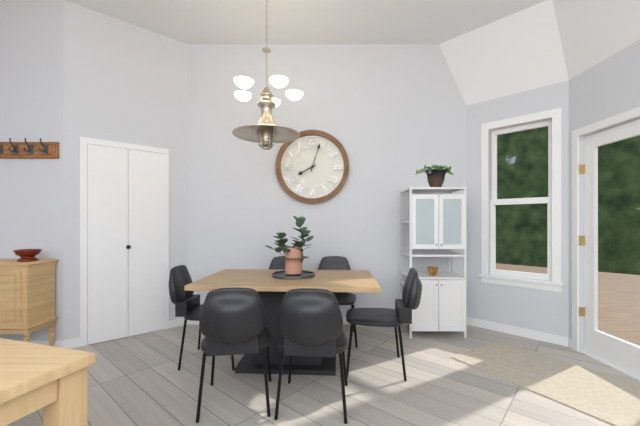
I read 8,03
